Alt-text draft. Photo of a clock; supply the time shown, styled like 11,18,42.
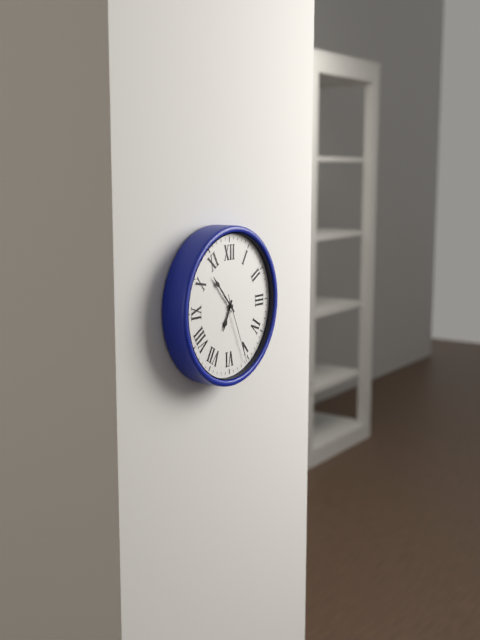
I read 6,53,26
